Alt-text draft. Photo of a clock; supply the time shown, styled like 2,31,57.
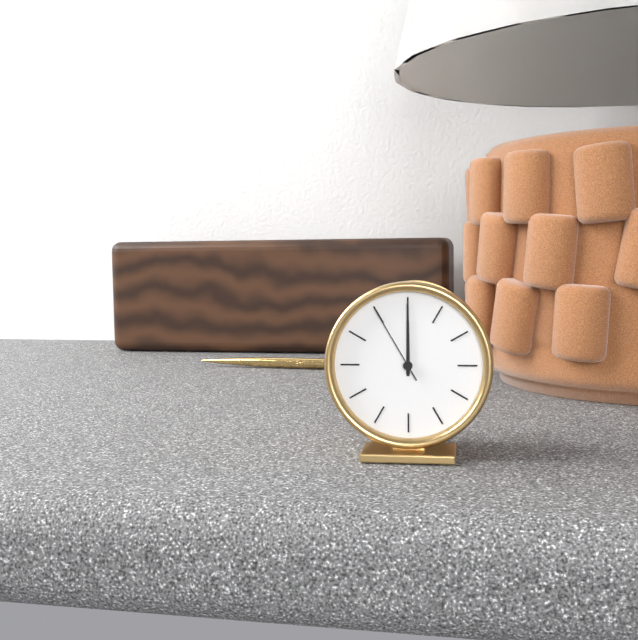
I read 12,00,55
